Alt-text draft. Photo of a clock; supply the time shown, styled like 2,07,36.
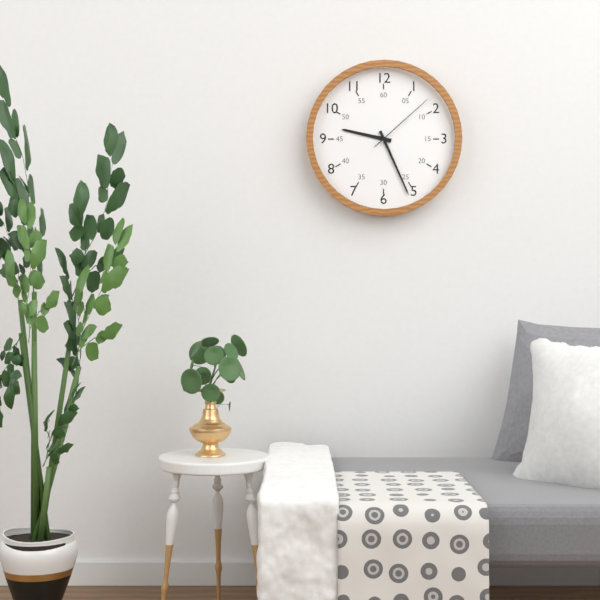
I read 9,26,08
